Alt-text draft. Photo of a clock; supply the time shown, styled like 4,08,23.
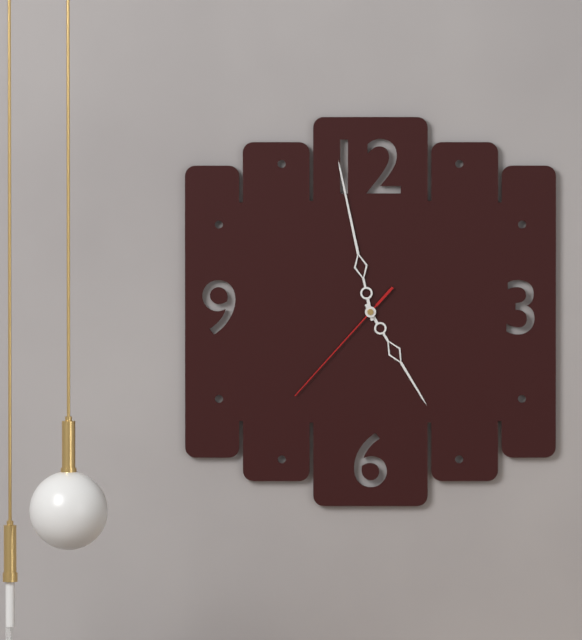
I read 4,58,37
